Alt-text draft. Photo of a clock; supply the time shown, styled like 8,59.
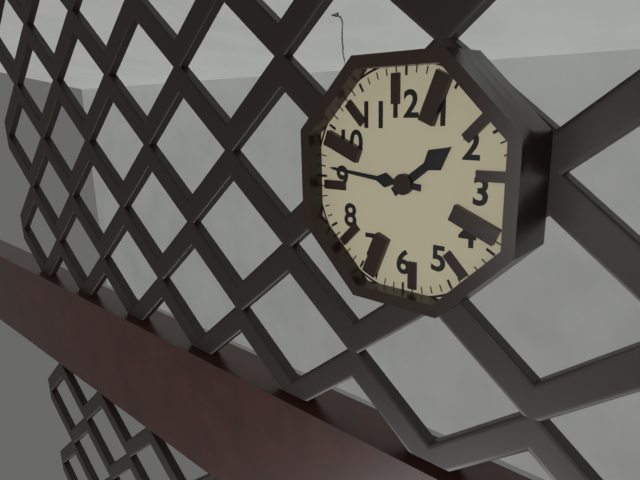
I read 1,46
